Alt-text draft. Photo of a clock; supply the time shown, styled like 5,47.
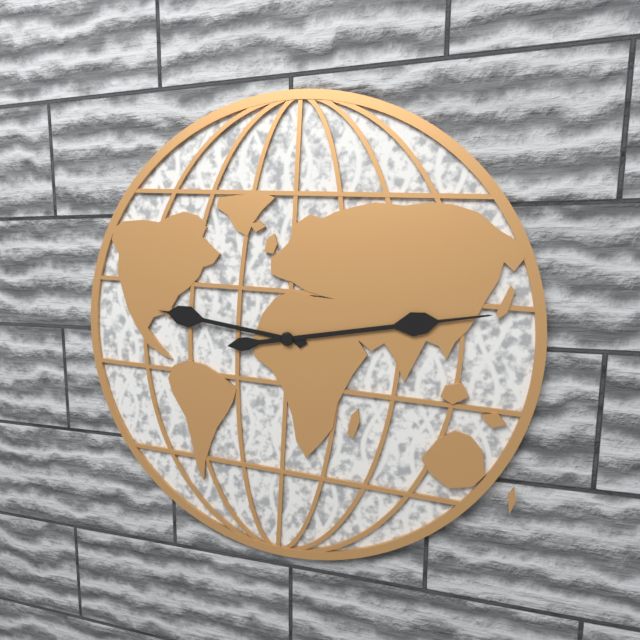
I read 9,13
